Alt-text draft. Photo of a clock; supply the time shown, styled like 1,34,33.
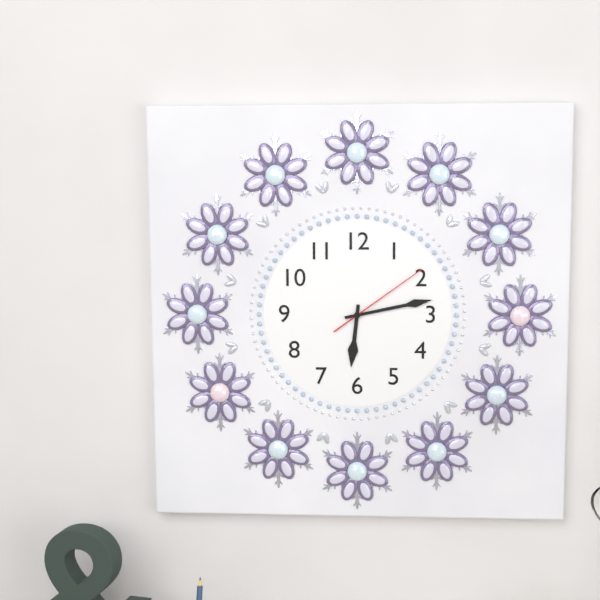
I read 6,13,09
